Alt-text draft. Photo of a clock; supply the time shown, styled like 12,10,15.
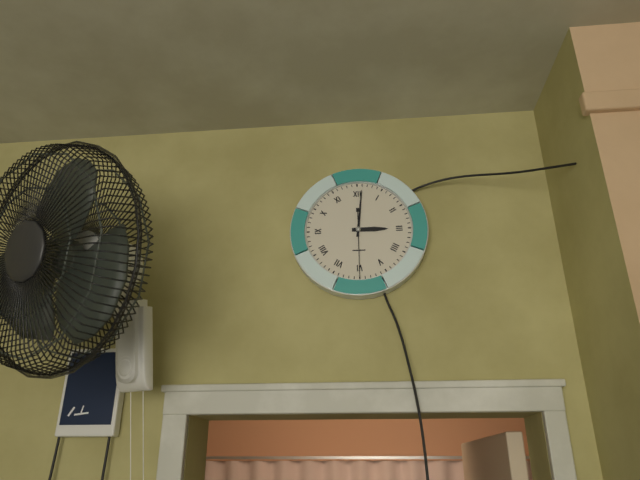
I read 3,01,30
